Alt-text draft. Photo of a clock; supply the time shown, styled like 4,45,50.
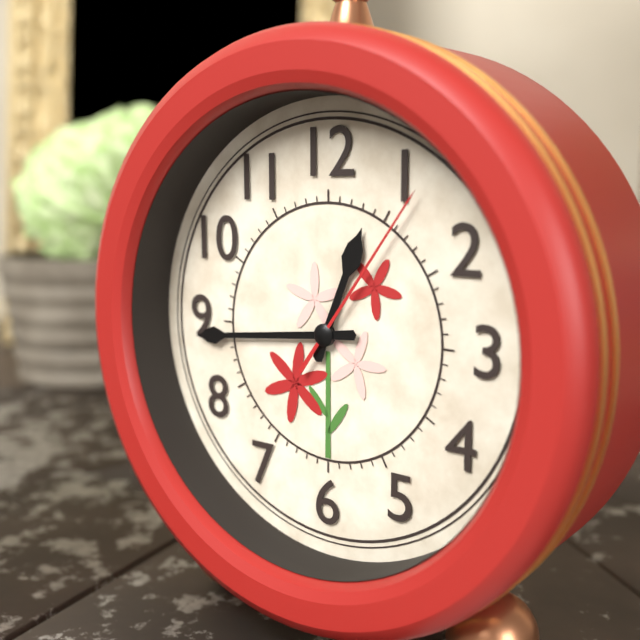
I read 12,44,06
